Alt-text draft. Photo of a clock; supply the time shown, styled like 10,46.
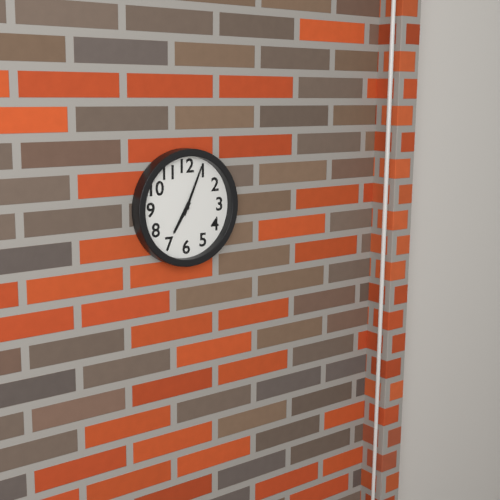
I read 7,04
